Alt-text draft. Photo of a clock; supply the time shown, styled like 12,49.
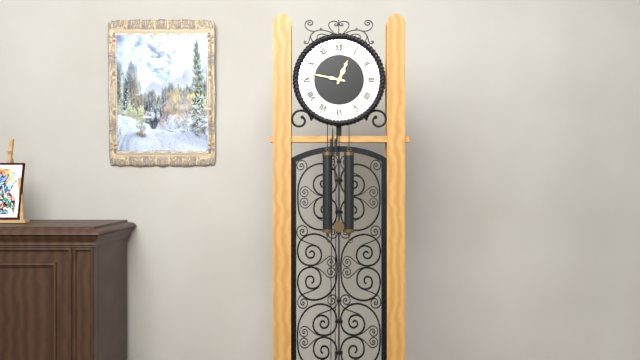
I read 12,47
